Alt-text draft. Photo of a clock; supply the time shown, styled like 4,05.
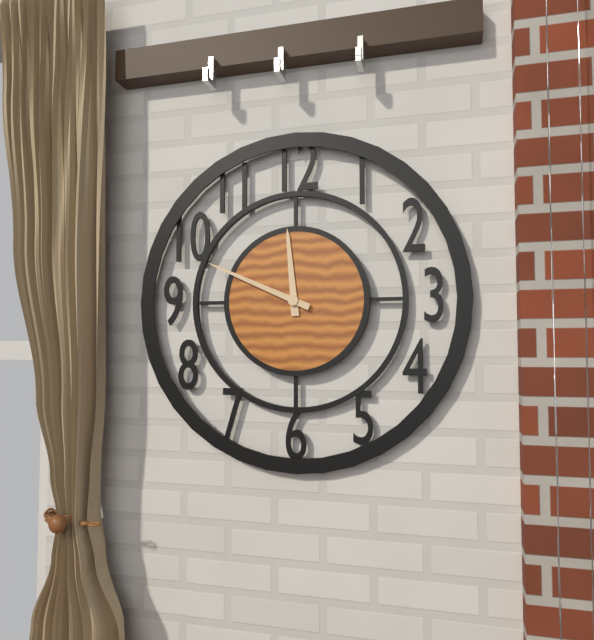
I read 11,49
